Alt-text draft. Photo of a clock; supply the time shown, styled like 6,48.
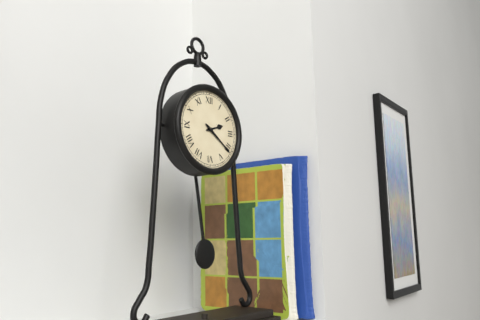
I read 2,21
